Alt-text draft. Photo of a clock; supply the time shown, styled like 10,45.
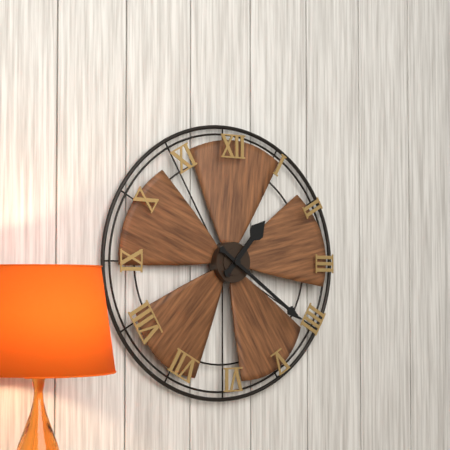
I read 1,21
